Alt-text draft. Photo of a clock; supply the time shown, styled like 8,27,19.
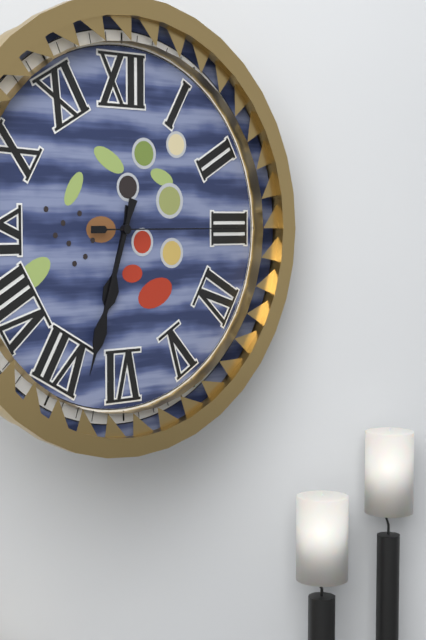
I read 6,33,15
